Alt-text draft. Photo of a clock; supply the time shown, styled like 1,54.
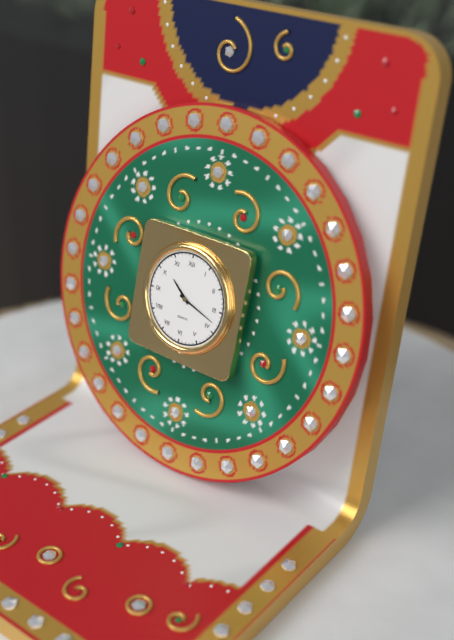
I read 10,18
